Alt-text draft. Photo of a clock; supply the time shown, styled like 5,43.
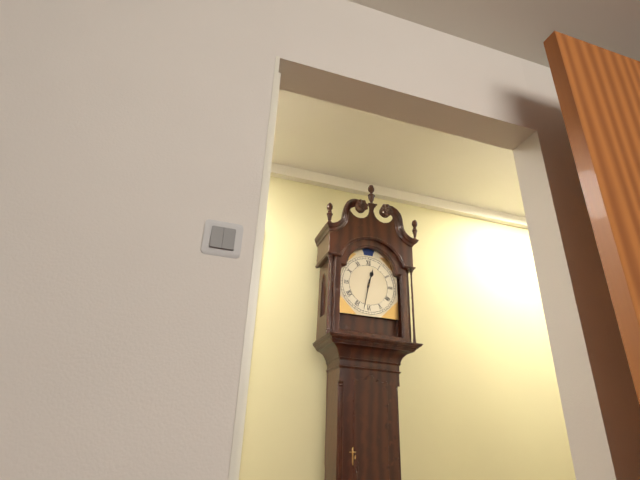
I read 12,32
